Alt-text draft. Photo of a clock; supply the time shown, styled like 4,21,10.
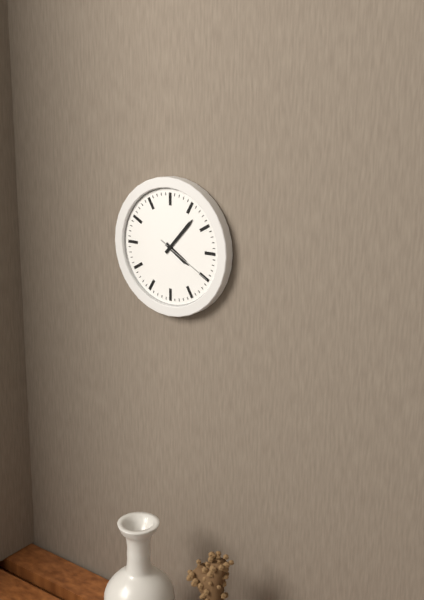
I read 4,07,20
